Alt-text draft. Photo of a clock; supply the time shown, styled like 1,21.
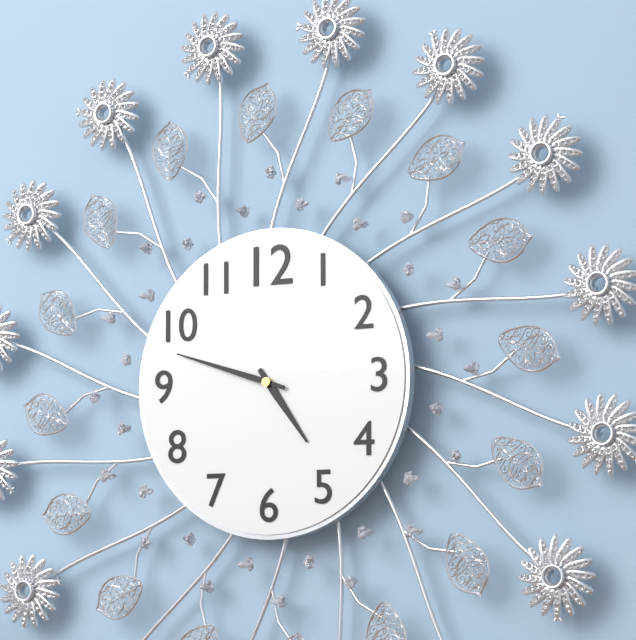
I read 4,48
